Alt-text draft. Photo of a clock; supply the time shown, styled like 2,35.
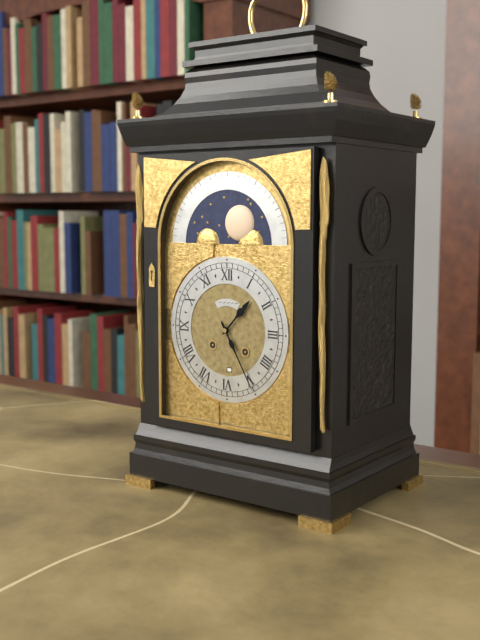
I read 1,25
